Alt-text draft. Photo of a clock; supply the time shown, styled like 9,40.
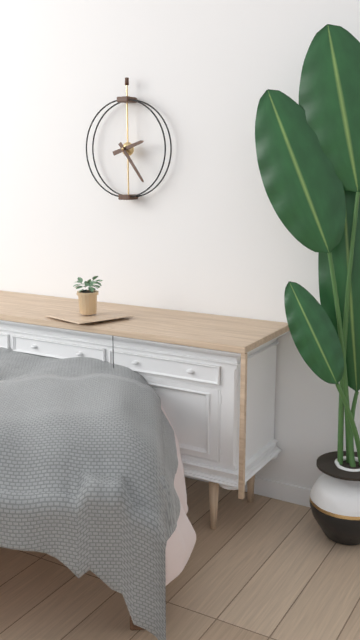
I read 2,24
